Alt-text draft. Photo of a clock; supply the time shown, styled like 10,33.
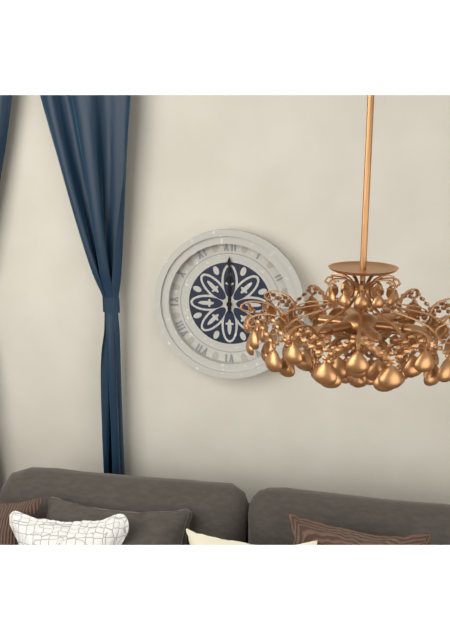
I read 12,00
